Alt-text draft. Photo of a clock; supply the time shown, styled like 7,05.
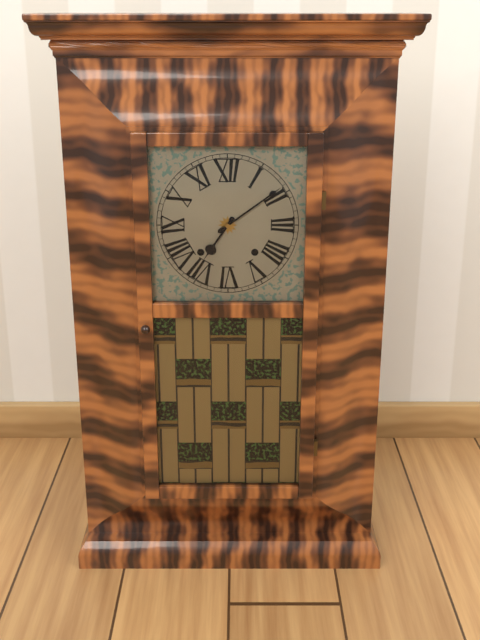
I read 7,09
